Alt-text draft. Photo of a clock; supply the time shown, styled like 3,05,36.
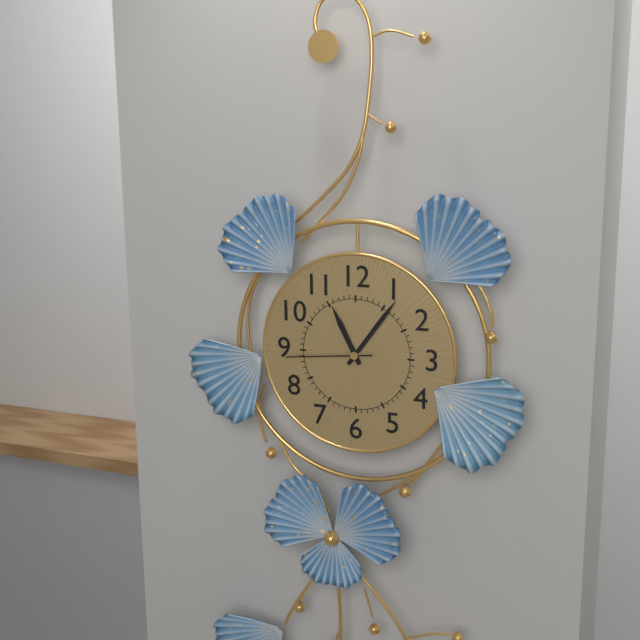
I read 11,06,44
